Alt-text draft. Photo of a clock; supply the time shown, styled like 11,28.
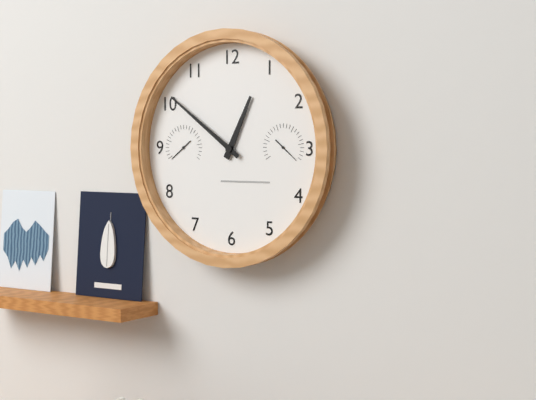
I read 12,51
